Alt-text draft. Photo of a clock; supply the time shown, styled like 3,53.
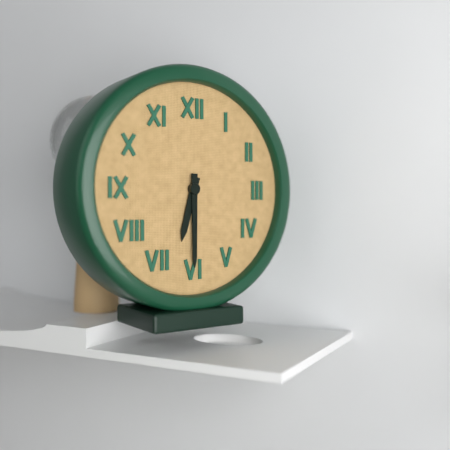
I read 6,30
